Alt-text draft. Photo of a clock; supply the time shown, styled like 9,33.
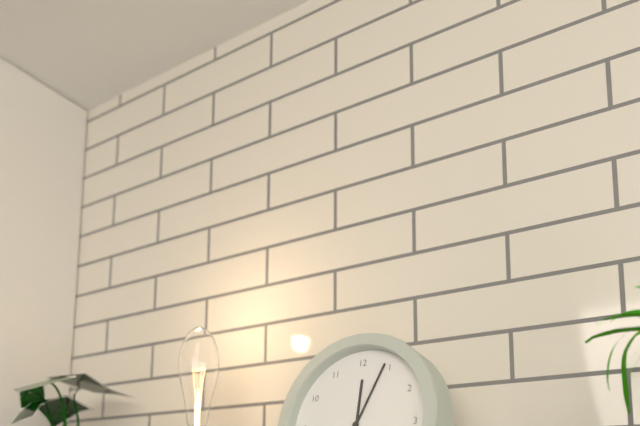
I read 12,04
